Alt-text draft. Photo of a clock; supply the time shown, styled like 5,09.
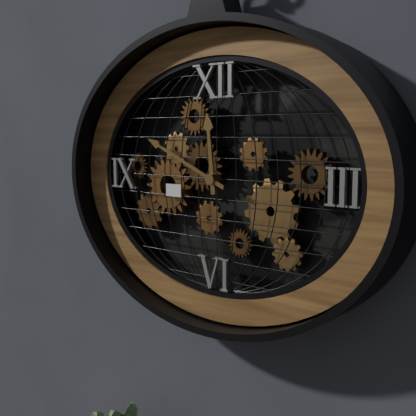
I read 11,49
